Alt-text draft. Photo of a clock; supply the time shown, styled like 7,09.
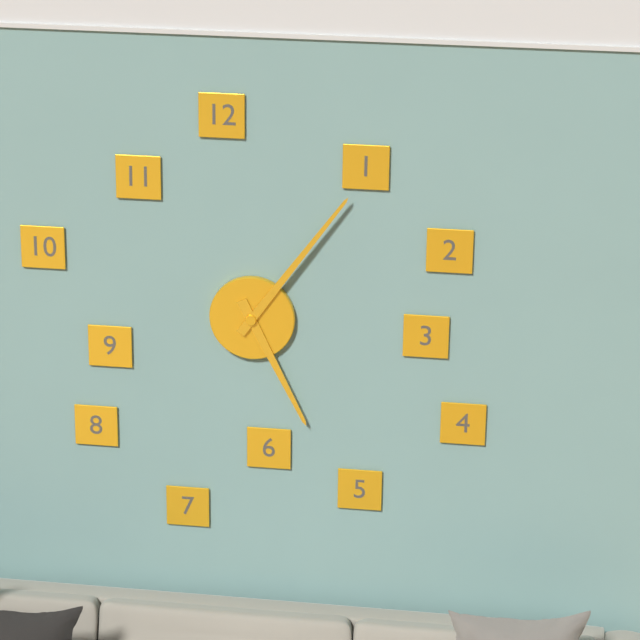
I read 5,06
